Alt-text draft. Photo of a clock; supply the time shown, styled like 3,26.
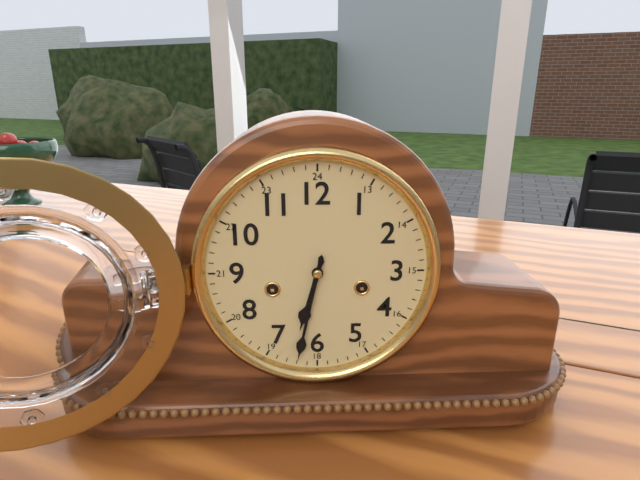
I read 6,32
